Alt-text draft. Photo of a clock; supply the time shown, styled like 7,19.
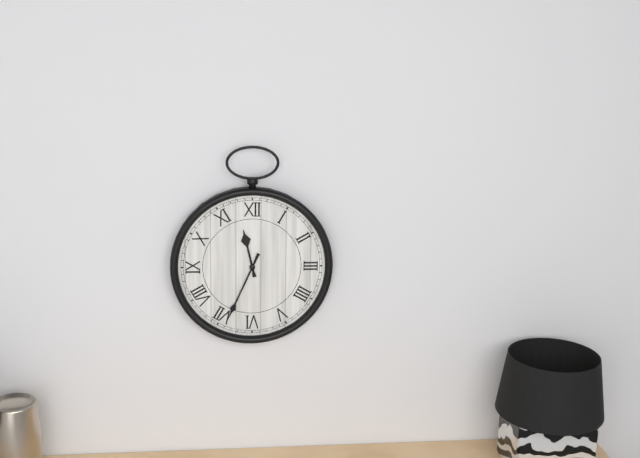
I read 11,34
